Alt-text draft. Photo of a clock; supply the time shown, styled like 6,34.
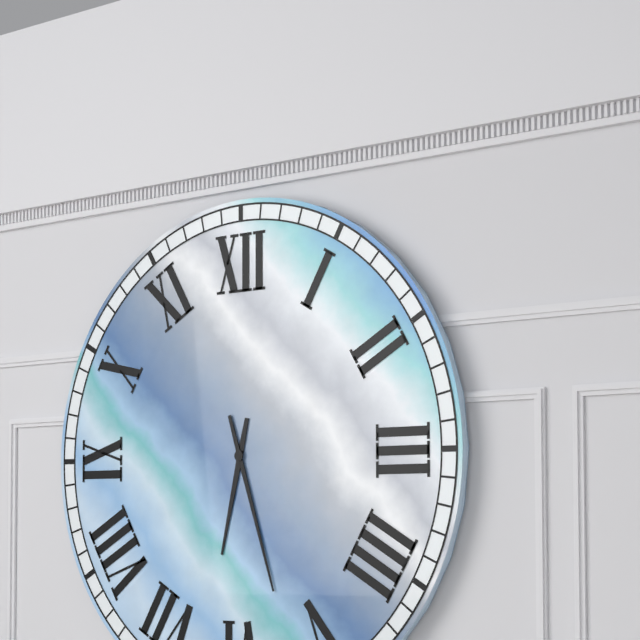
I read 6,27
